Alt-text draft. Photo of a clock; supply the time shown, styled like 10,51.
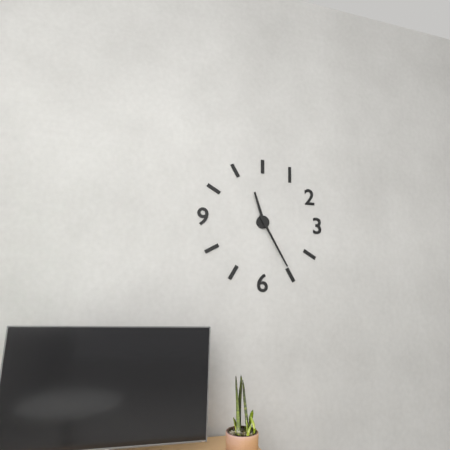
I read 11,25
